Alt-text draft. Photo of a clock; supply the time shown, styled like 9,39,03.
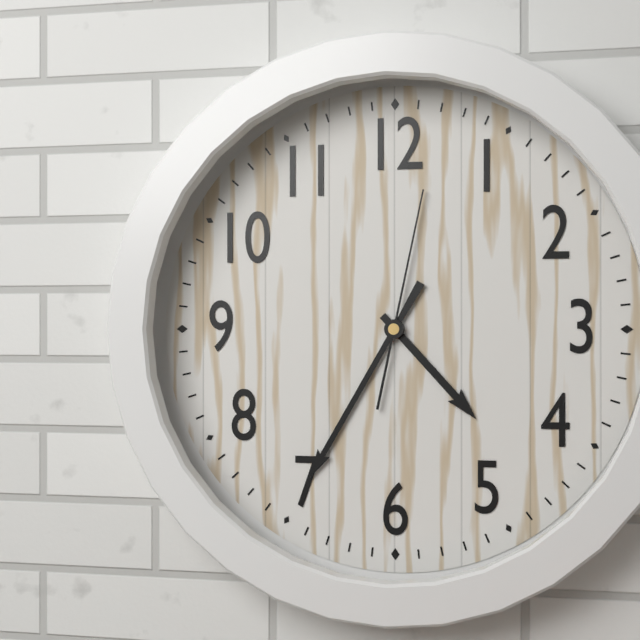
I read 4,35,02
